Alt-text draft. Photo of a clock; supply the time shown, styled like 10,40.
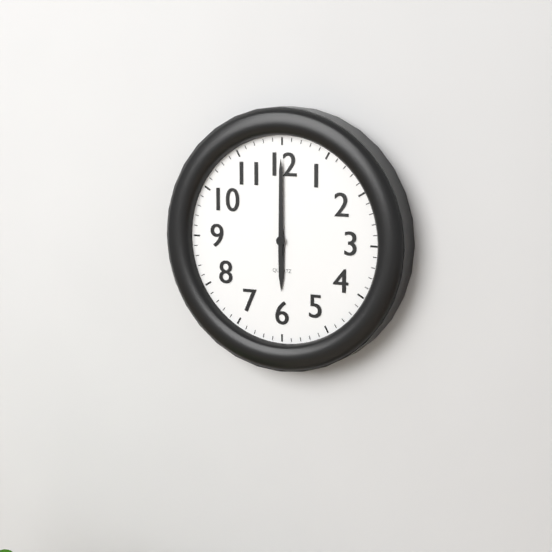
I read 6,00
